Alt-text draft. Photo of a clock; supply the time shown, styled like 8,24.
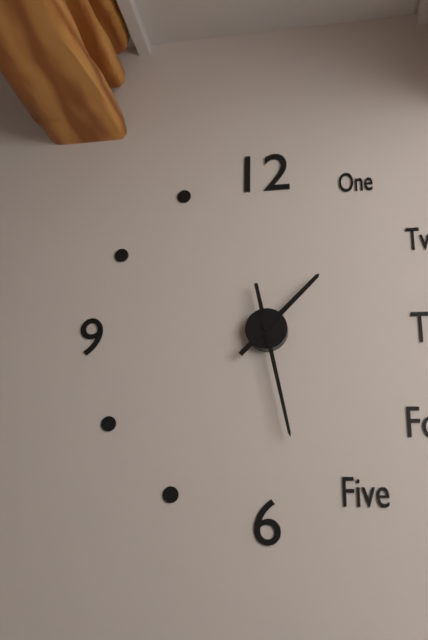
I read 1,28
